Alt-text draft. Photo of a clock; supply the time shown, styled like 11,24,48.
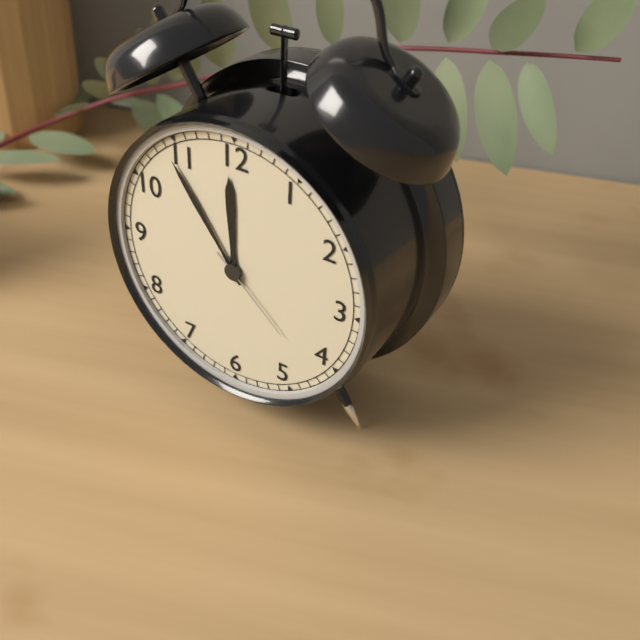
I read 11,54,22
